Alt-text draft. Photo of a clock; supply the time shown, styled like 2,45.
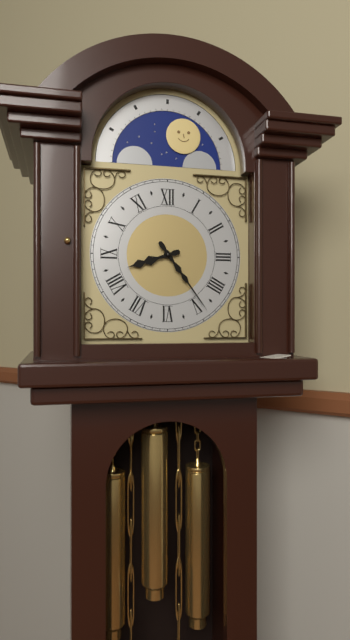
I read 8,24
